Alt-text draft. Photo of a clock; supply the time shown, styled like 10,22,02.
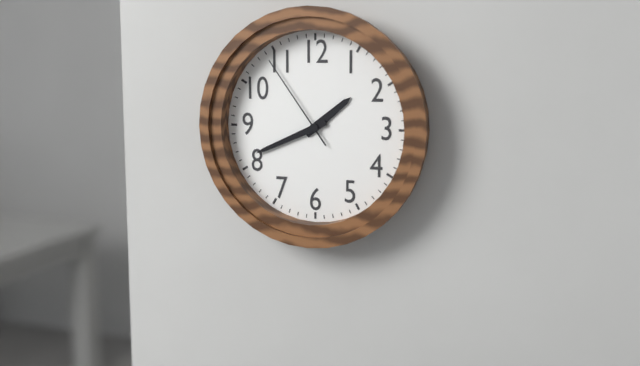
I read 1,41,54
